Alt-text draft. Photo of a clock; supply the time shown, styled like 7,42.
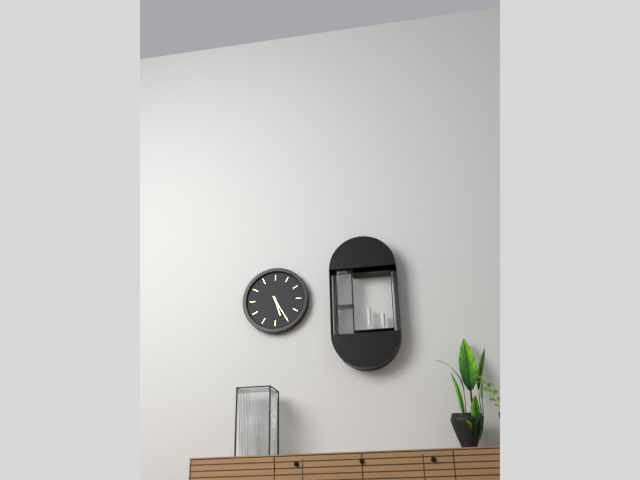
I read 5,25
